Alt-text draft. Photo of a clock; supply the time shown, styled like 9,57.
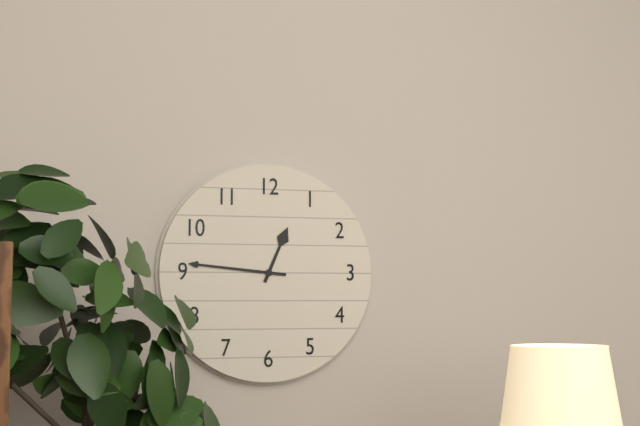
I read 12,46
